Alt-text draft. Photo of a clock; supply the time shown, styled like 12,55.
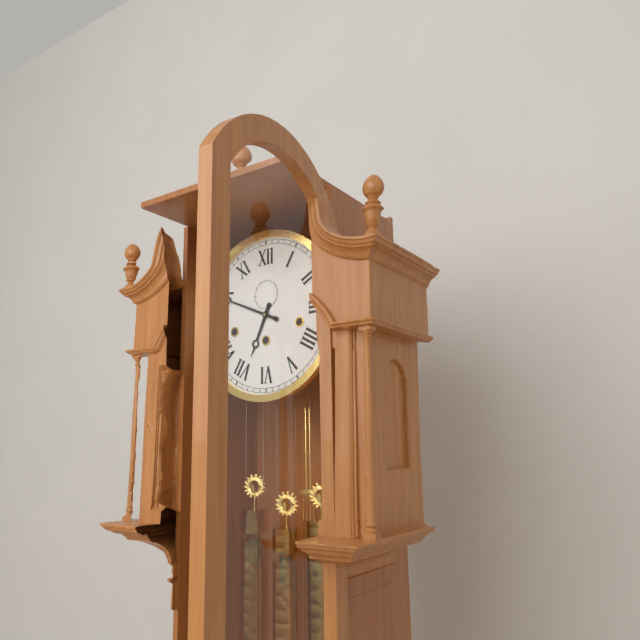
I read 6,49
